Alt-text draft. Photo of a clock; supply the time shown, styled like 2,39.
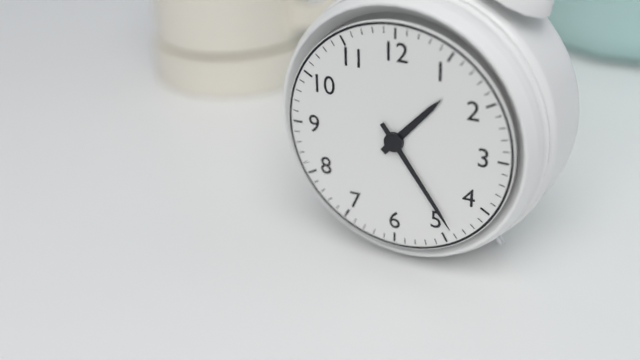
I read 1,24
